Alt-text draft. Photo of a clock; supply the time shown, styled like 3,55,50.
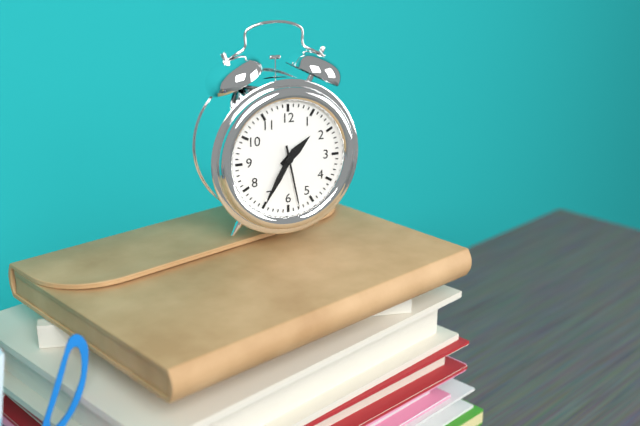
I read 1,35,28
